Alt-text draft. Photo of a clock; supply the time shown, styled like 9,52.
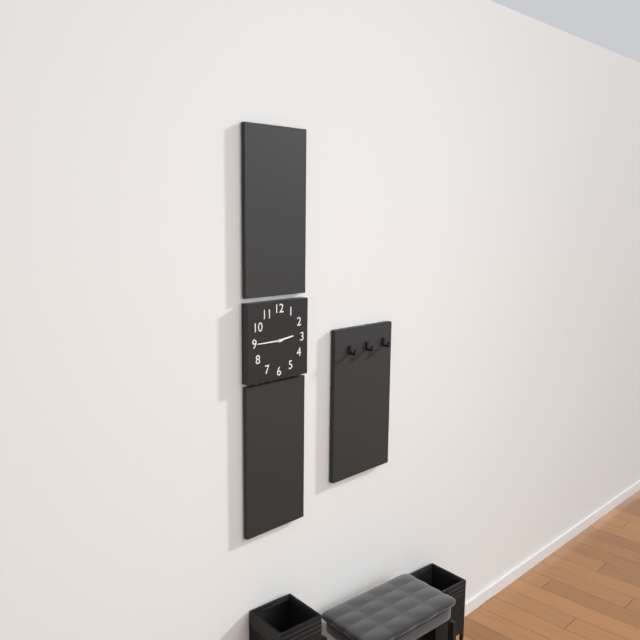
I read 2,45
